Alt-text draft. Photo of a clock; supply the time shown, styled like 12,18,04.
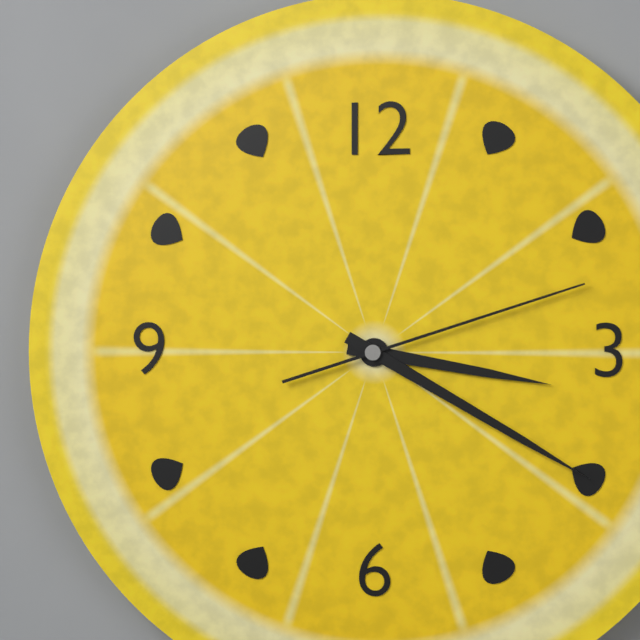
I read 3,20,12
